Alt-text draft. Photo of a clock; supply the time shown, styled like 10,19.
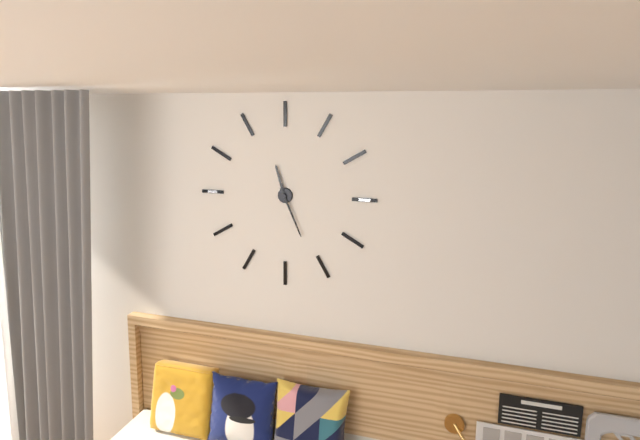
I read 11,26
